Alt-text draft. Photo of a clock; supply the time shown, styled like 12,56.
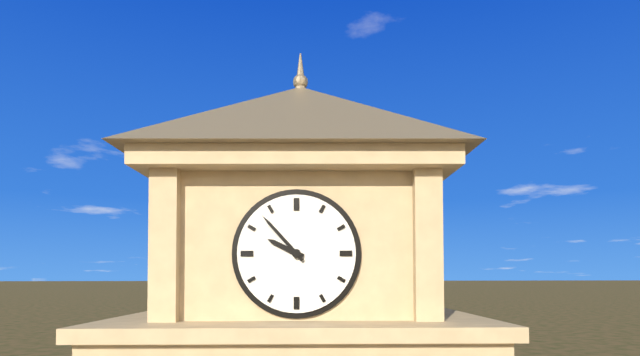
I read 9,53
